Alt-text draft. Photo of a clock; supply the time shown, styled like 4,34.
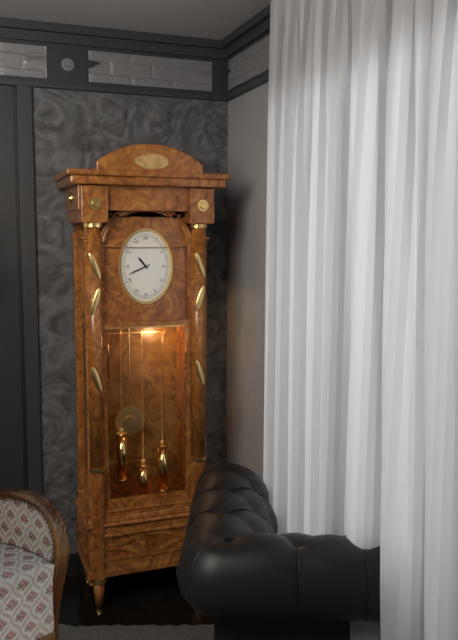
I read 10,41
